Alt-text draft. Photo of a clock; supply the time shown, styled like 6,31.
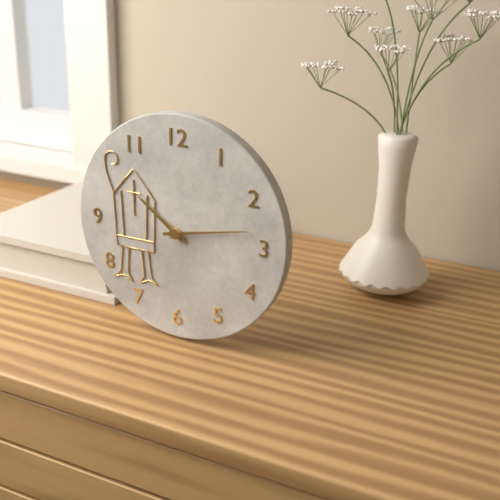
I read 10,13
